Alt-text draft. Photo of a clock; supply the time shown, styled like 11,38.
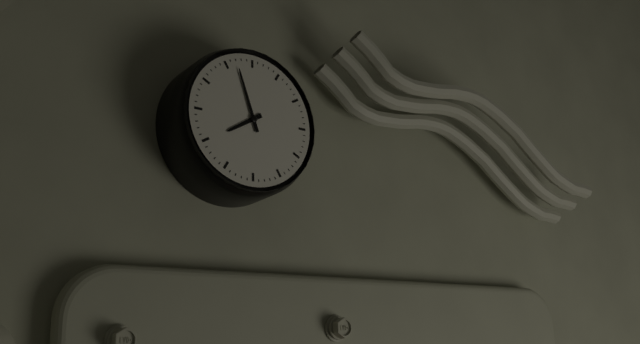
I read 7,57
